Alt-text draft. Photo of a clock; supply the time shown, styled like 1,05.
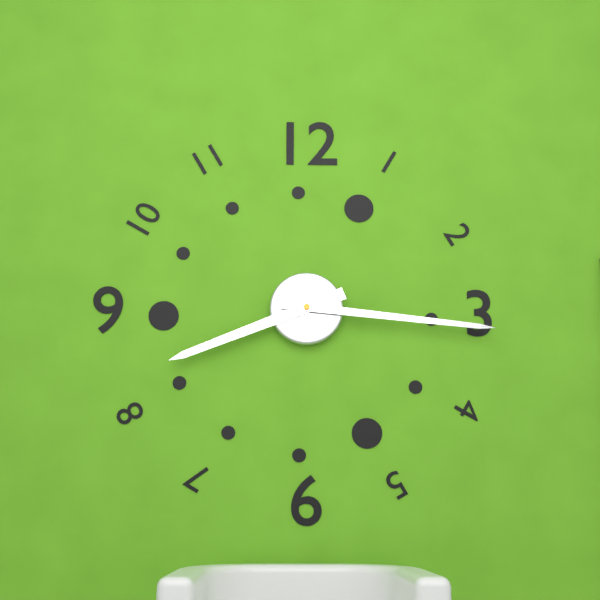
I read 8,16
